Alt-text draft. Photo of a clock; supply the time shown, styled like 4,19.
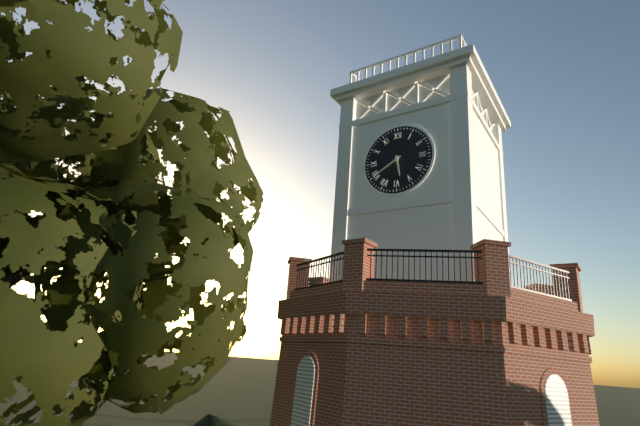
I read 5,40
